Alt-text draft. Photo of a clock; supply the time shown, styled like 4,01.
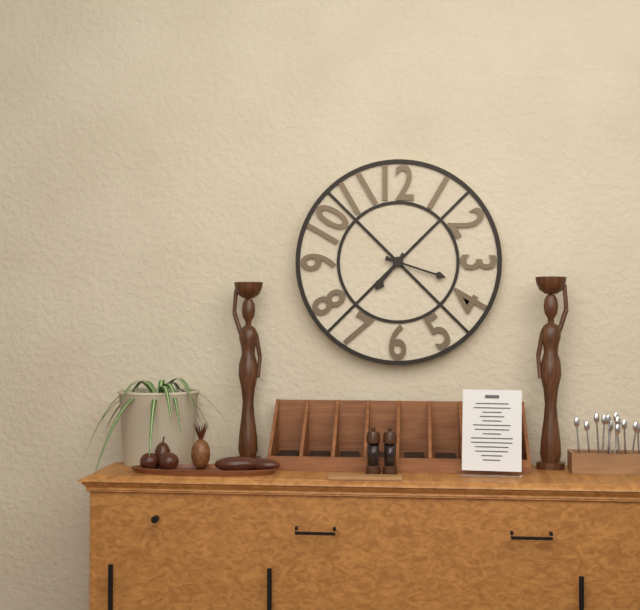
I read 7,18
